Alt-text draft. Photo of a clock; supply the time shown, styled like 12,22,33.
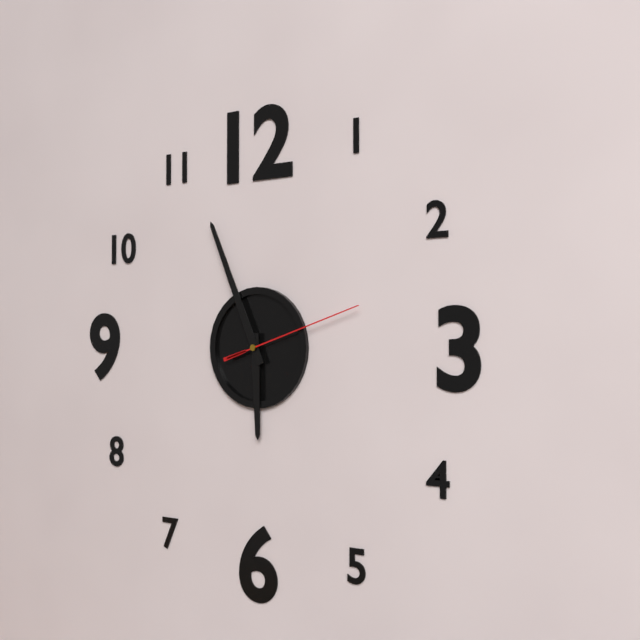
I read 5,56,12
